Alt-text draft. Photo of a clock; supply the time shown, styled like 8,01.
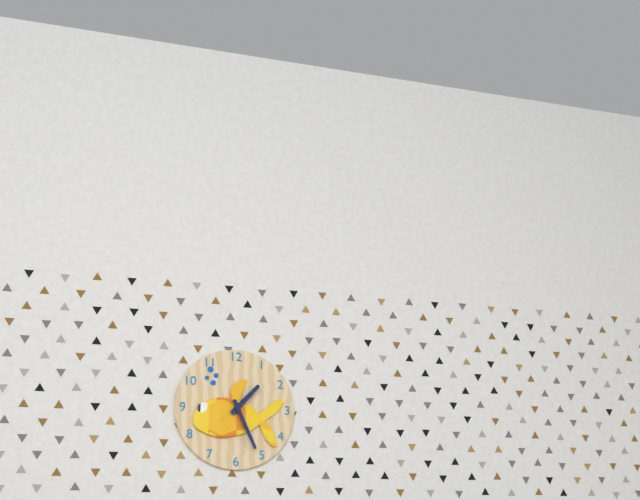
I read 1,26
